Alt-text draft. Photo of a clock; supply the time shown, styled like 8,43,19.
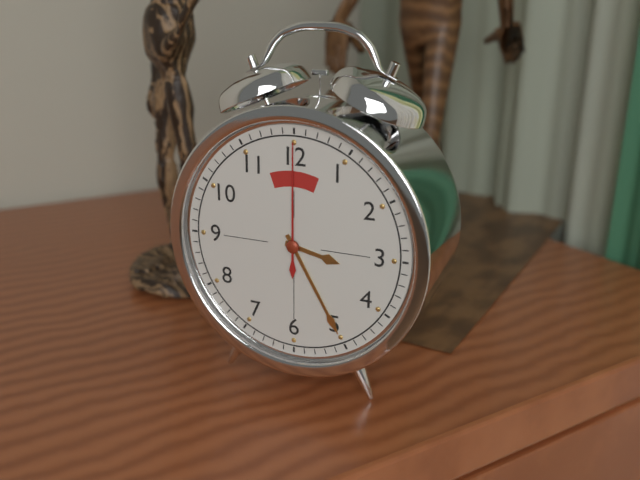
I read 3,25,00
